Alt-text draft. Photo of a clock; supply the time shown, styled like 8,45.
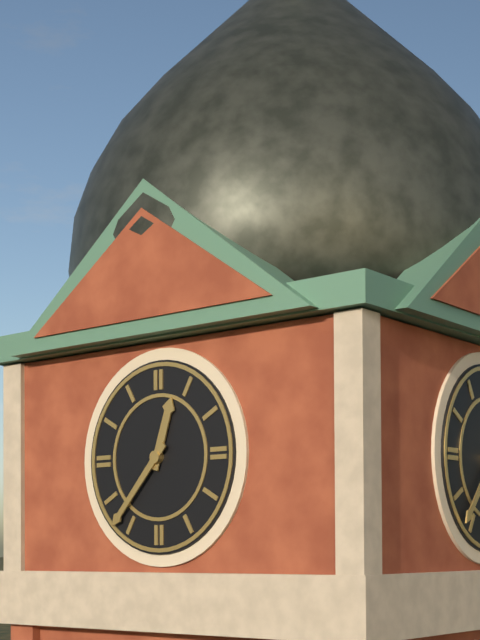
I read 12,37
